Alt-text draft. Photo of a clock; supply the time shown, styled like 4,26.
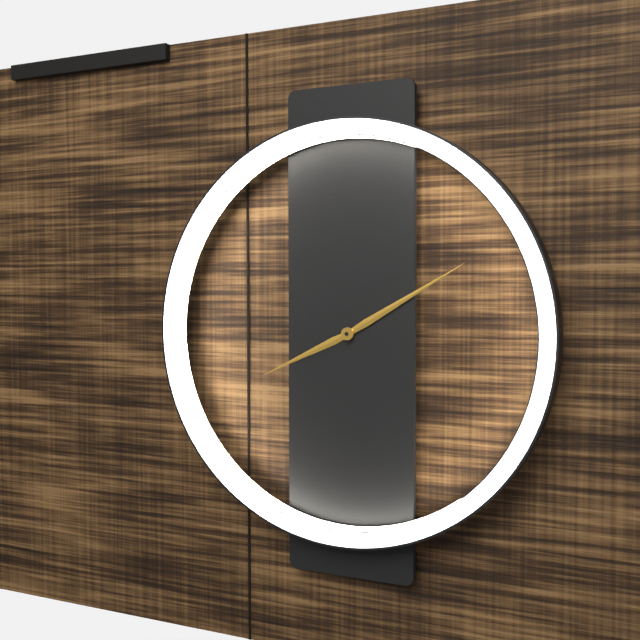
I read 8,10
